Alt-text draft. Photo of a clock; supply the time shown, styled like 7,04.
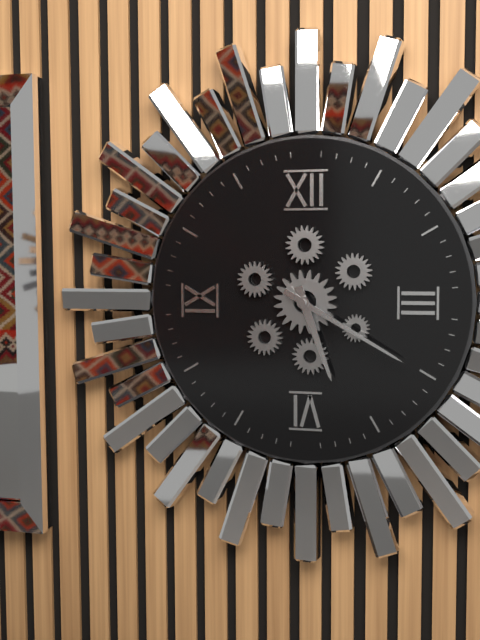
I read 5,20
